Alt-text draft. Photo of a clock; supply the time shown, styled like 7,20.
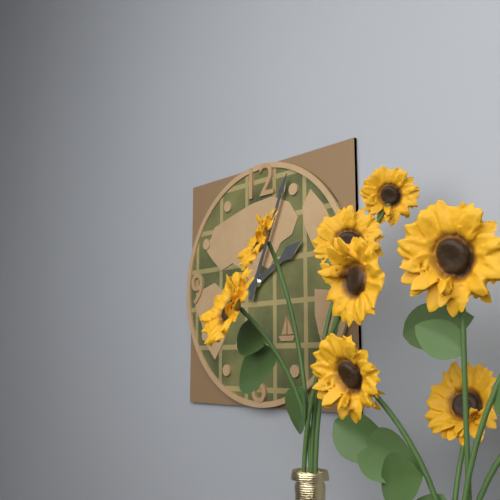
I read 2,04
